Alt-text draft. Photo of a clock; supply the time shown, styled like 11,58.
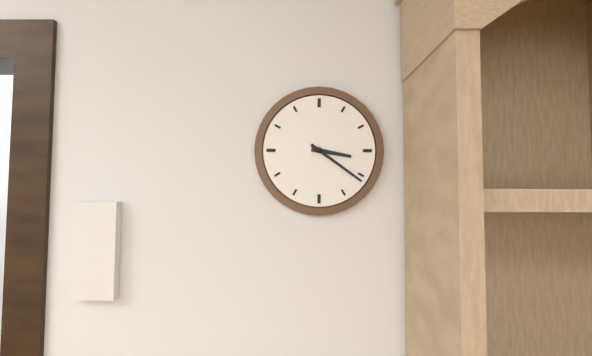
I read 3,21
